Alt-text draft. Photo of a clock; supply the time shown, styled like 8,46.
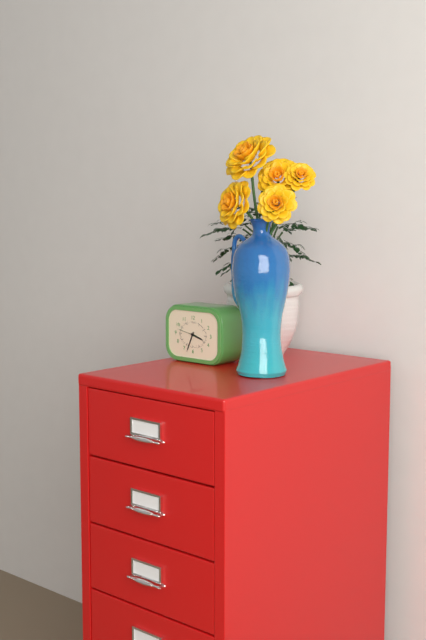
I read 3,34
